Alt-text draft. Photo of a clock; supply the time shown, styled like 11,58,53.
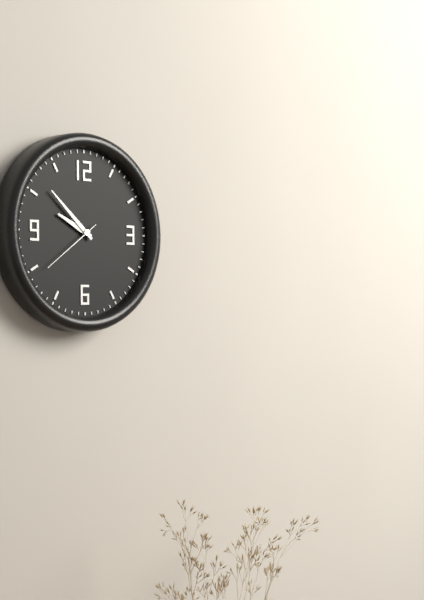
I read 9,52,39
